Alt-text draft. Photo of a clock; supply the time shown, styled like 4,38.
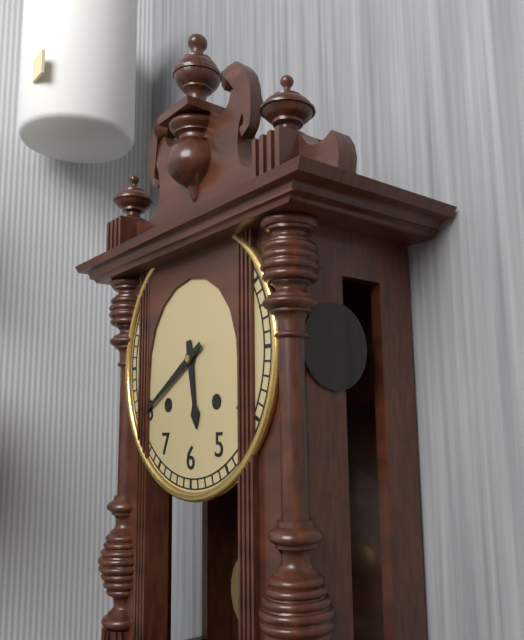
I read 5,40
